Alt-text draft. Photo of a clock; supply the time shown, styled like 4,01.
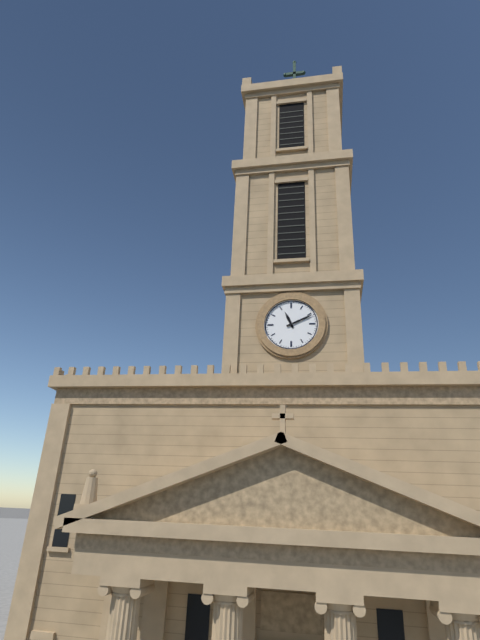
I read 11,11
